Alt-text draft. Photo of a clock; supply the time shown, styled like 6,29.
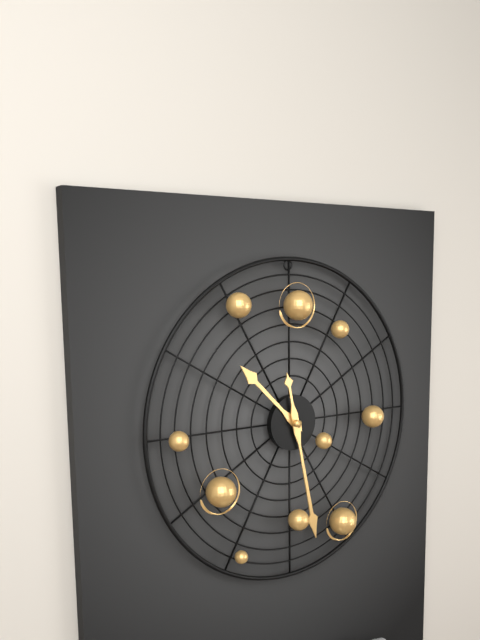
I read 10,28
